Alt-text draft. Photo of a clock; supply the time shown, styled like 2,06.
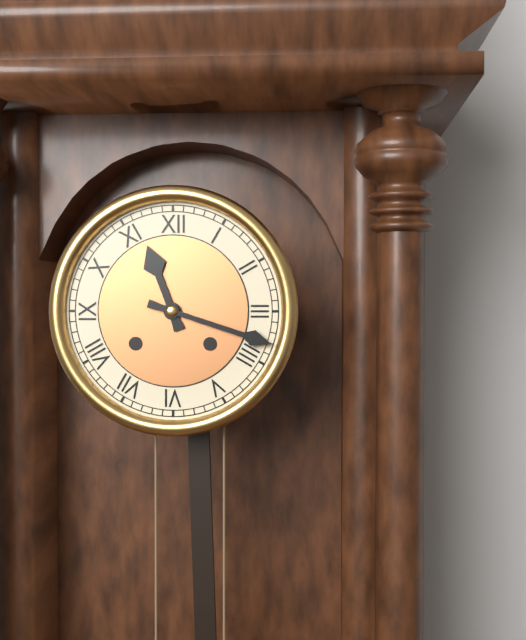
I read 11,18
